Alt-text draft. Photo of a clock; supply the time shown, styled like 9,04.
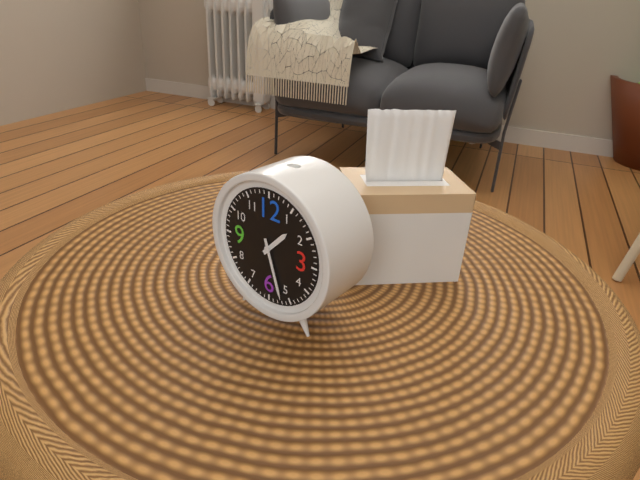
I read 1,27
